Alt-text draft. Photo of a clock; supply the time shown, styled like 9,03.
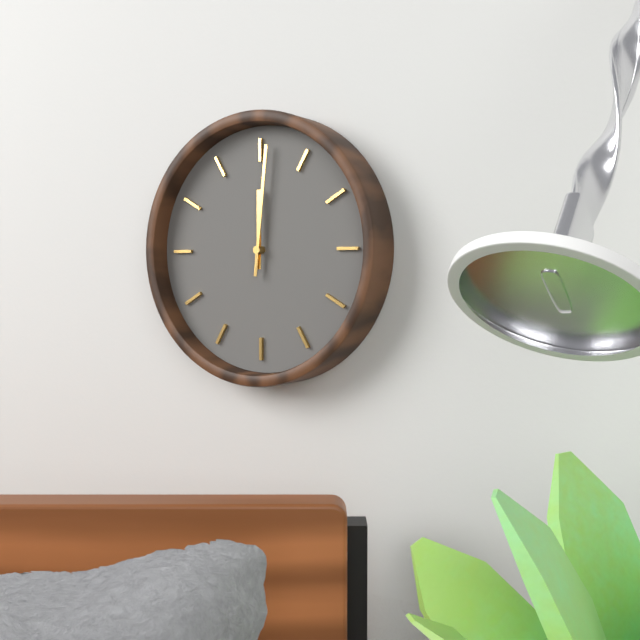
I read 12,01
